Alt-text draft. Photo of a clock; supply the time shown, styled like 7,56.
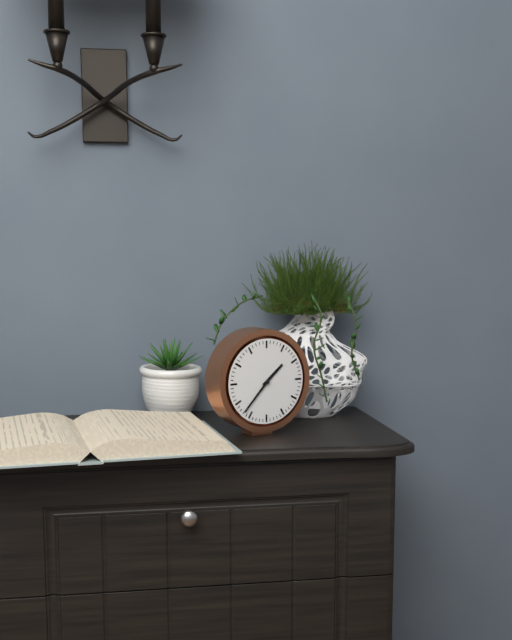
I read 1,37
